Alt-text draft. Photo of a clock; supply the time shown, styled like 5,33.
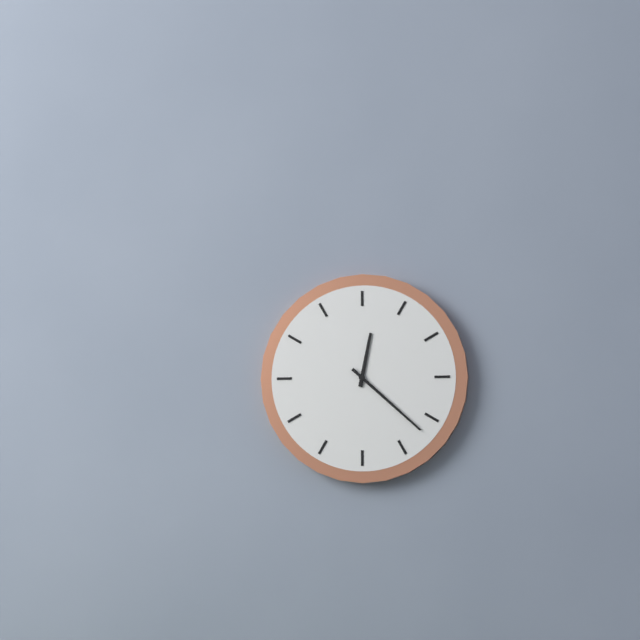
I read 12,22
